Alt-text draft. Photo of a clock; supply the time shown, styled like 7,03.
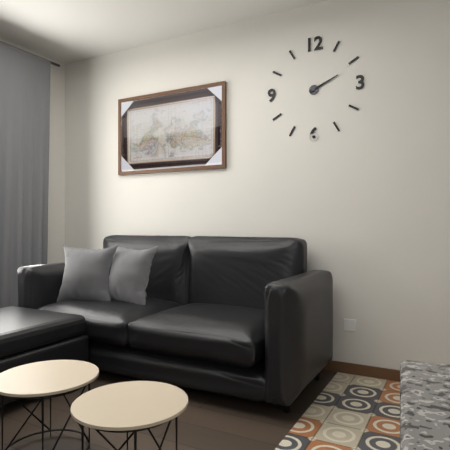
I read 2,11
